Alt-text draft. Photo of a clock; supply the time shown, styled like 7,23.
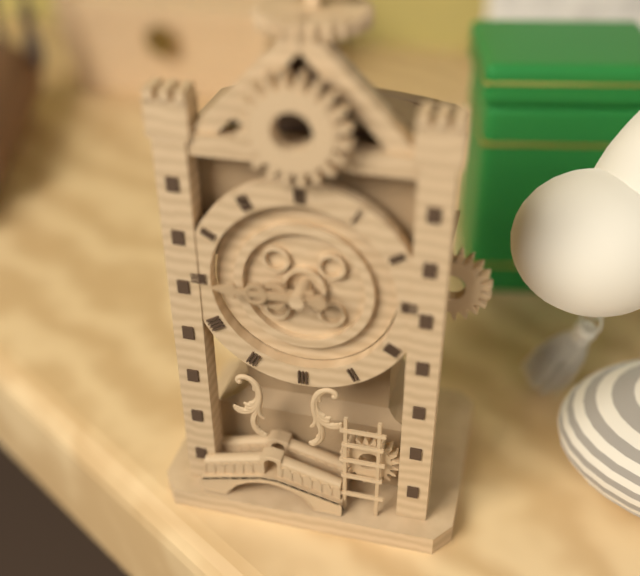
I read 8,45
